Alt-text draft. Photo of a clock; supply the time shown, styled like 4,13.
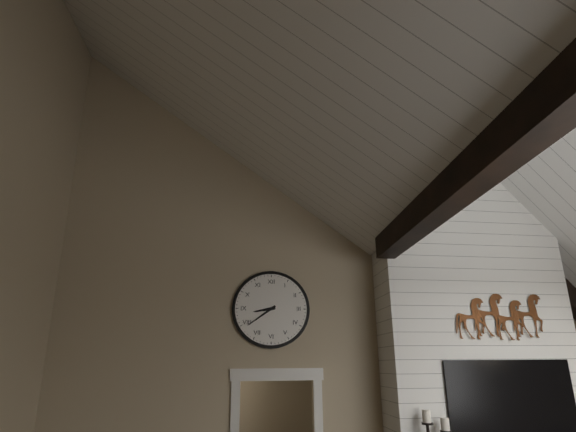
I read 8,39
